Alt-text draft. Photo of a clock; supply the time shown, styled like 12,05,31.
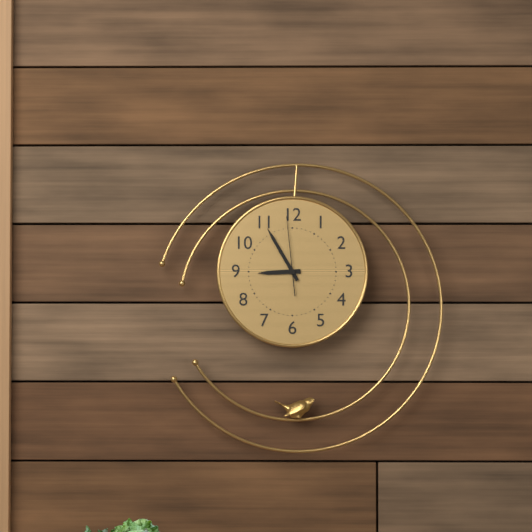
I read 8,55,59
